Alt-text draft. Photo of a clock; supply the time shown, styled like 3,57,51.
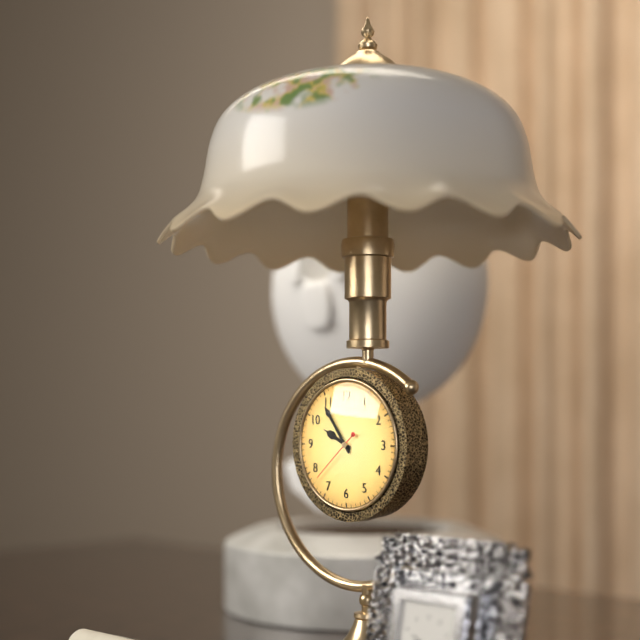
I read 9,54,38
